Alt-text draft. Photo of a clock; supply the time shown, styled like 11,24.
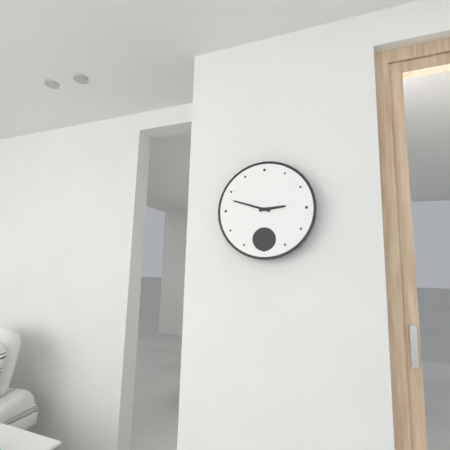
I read 2,48
